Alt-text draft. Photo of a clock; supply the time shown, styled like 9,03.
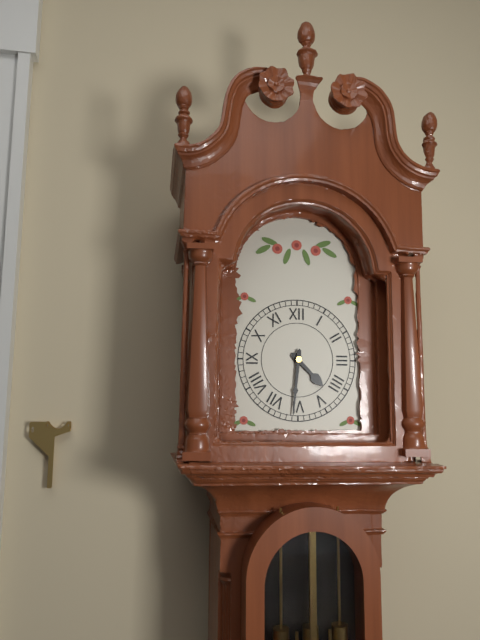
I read 4,31
